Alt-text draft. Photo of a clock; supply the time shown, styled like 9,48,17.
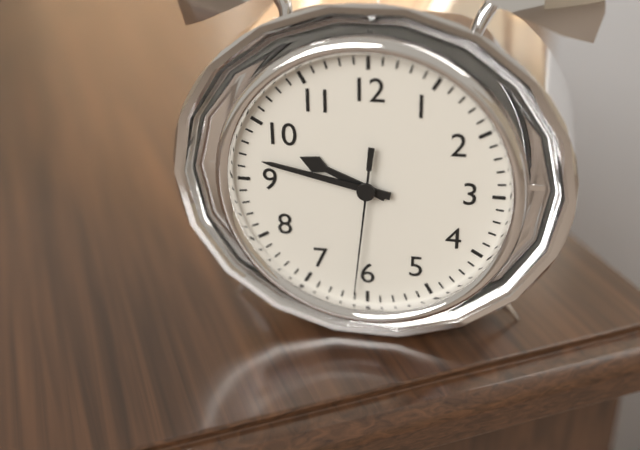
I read 9,47,31
